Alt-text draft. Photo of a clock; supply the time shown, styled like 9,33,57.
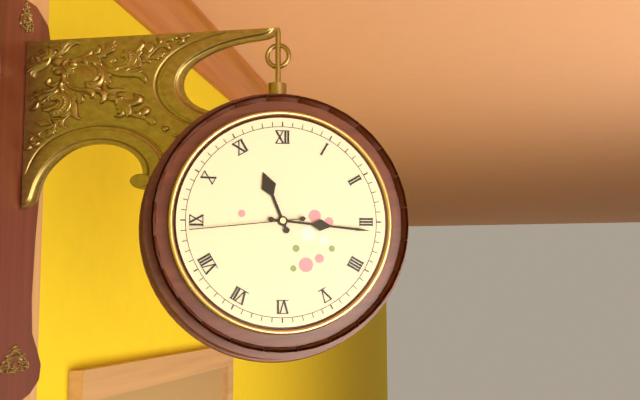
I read 11,16,44
